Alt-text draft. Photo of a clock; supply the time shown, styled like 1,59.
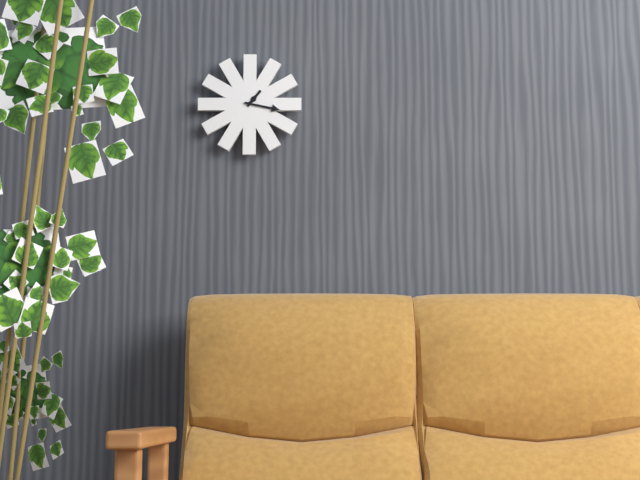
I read 1,17
